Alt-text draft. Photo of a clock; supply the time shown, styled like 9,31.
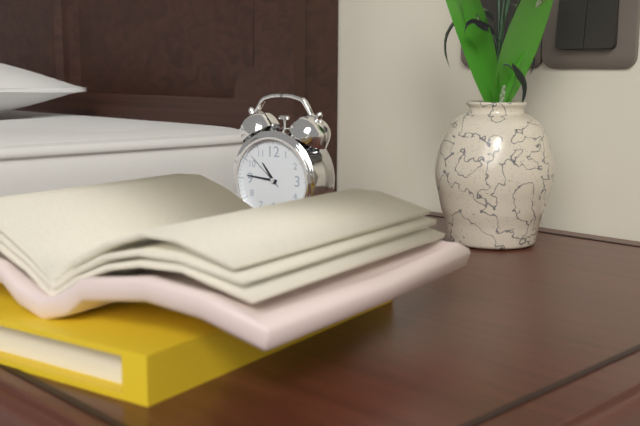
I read 10,46
